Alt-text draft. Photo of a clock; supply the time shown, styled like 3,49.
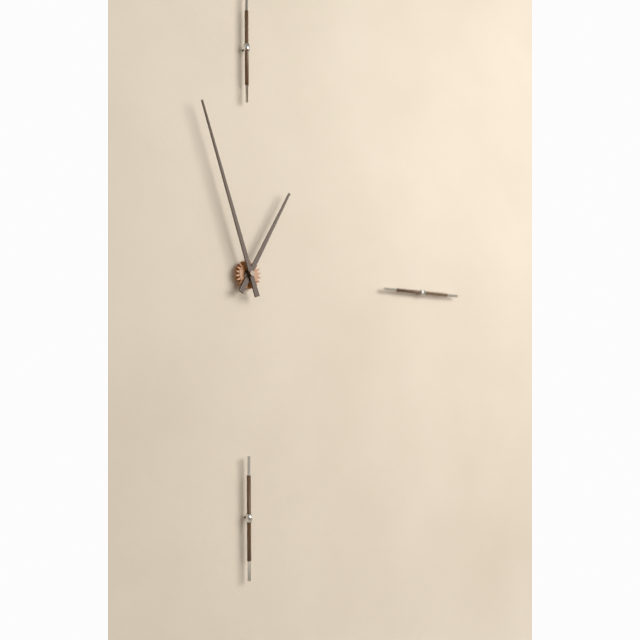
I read 12,57
